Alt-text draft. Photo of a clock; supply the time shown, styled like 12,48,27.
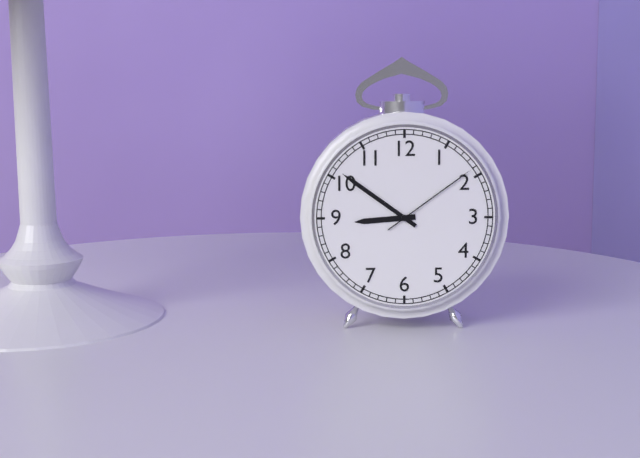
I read 8,51,09
